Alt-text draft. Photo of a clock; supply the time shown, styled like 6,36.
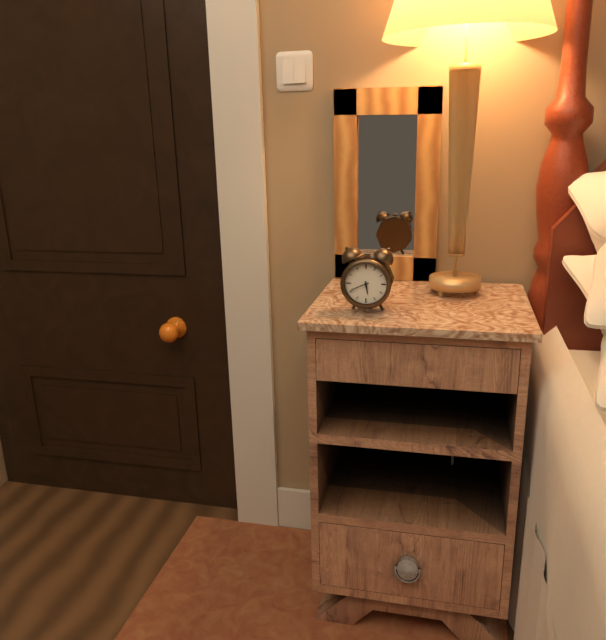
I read 5,41
